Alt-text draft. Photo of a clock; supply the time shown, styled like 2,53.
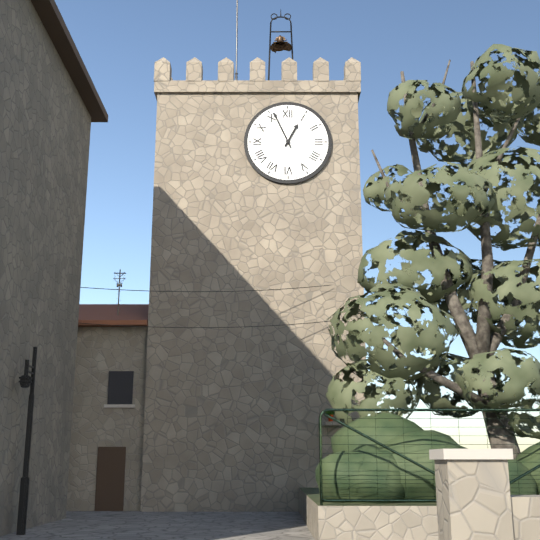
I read 12,56
